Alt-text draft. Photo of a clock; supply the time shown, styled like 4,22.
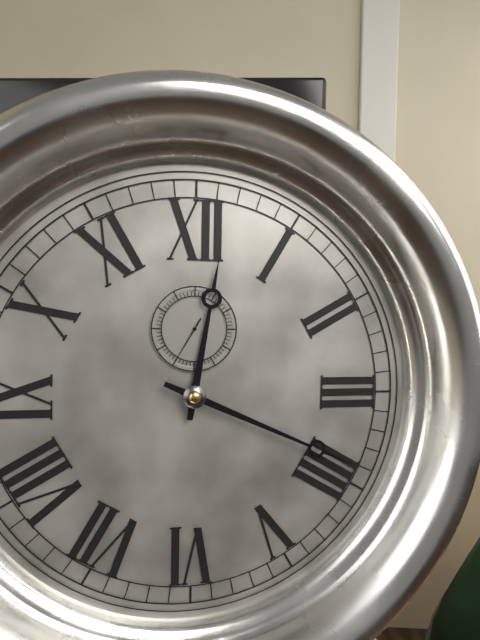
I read 12,19
